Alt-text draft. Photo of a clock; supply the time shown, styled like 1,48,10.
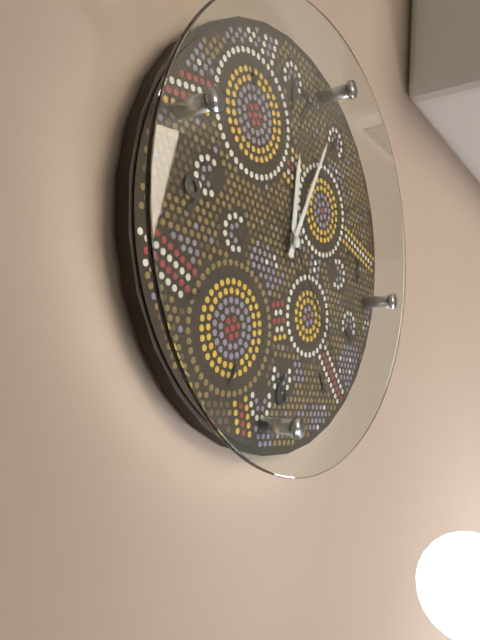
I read 12,04,23
